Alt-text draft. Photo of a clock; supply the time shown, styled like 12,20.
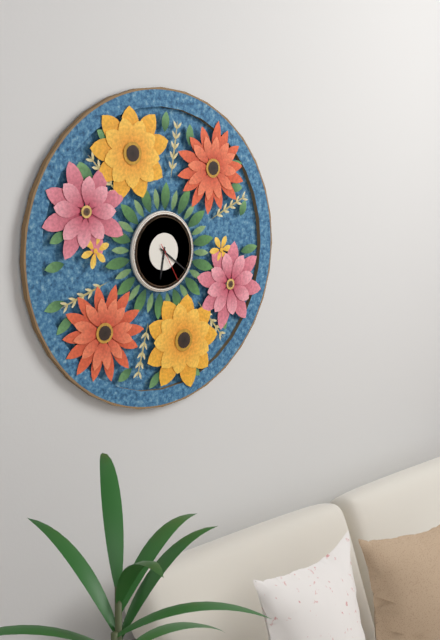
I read 6,21
